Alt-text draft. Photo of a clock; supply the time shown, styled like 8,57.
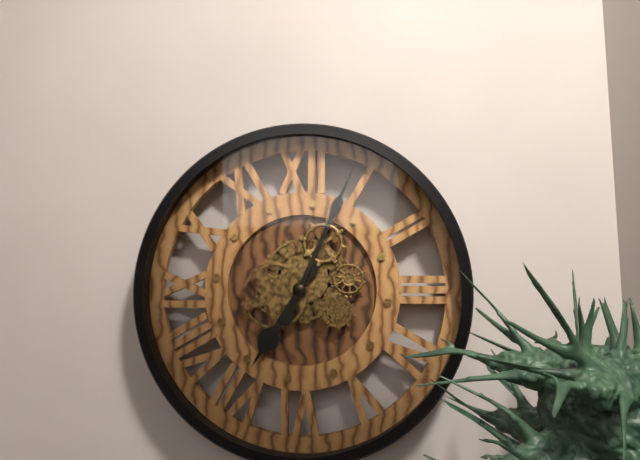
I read 7,04
